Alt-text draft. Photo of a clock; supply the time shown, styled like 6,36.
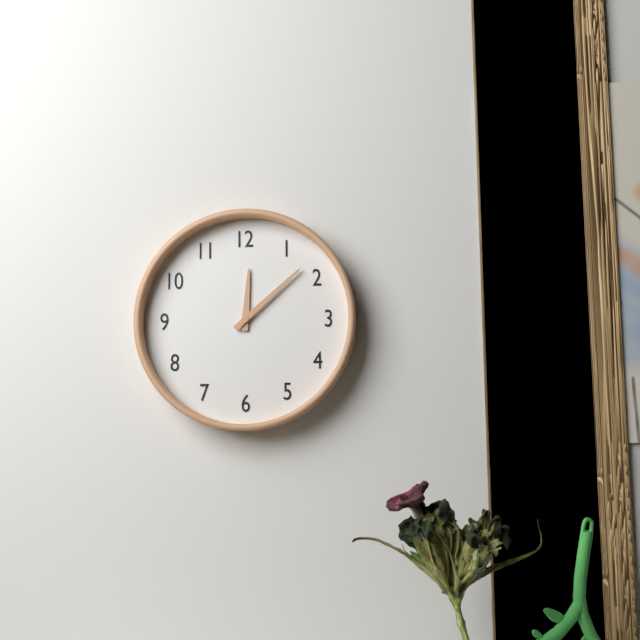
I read 12,08
